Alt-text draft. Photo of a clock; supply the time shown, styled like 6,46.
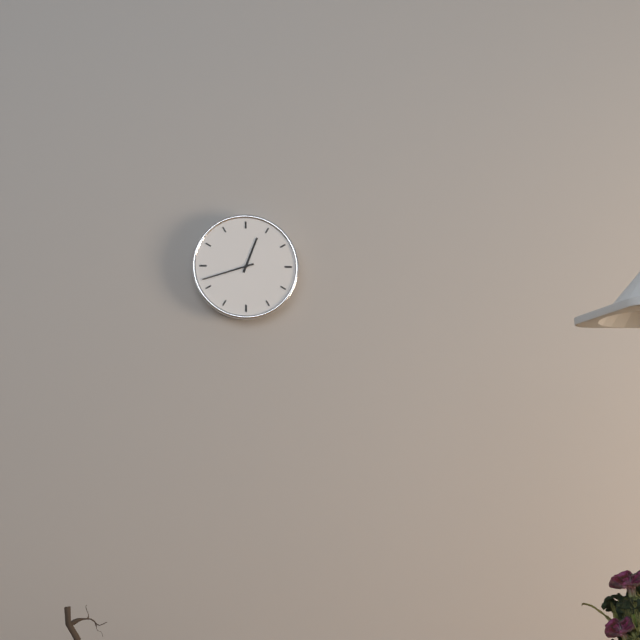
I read 12,42
